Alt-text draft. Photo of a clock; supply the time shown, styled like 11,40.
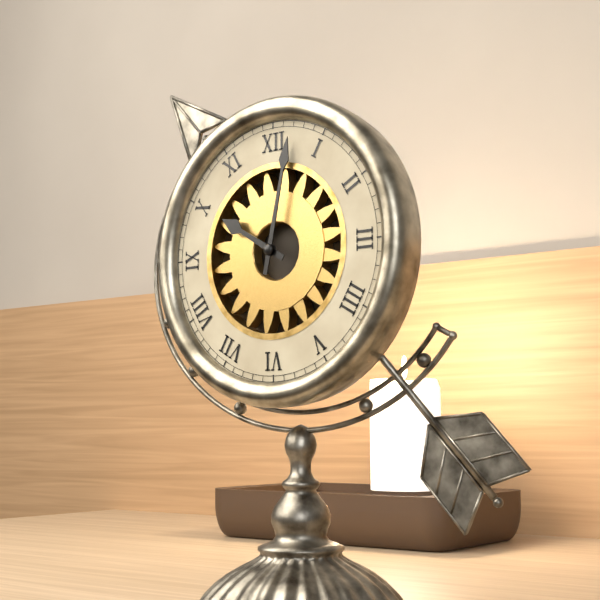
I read 10,02
